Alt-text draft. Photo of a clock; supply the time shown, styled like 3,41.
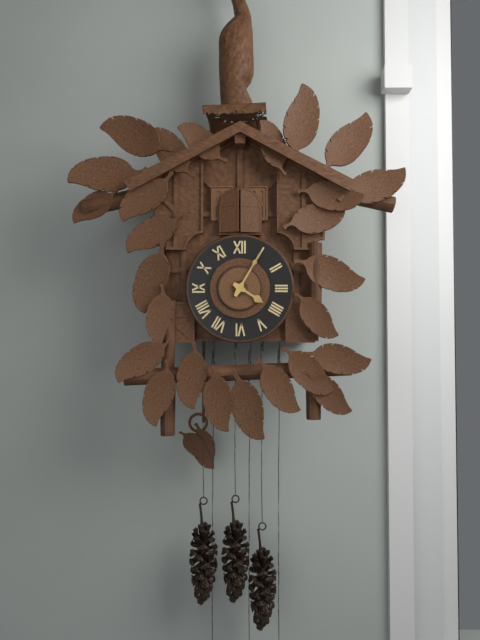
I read 4,05
